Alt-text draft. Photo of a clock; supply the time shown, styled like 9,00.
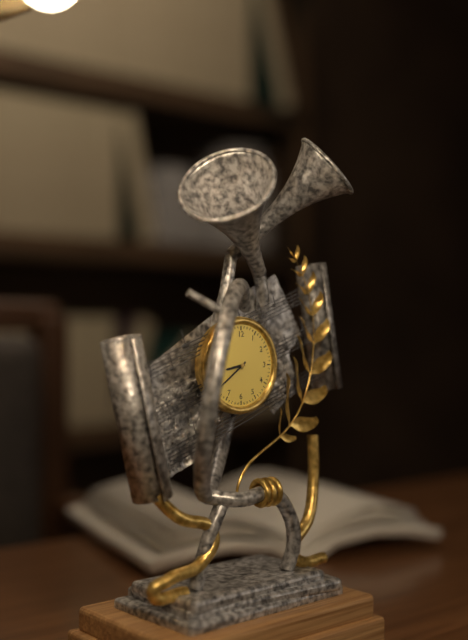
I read 8,39
